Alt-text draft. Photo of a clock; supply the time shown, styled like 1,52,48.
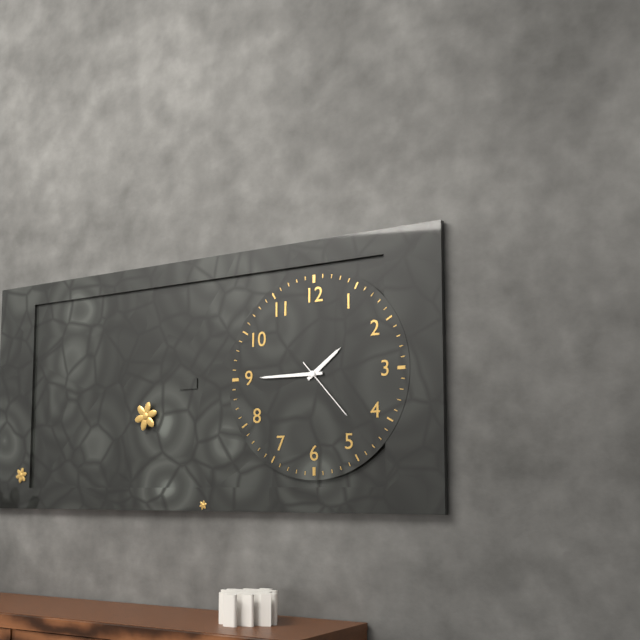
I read 1,45,23
